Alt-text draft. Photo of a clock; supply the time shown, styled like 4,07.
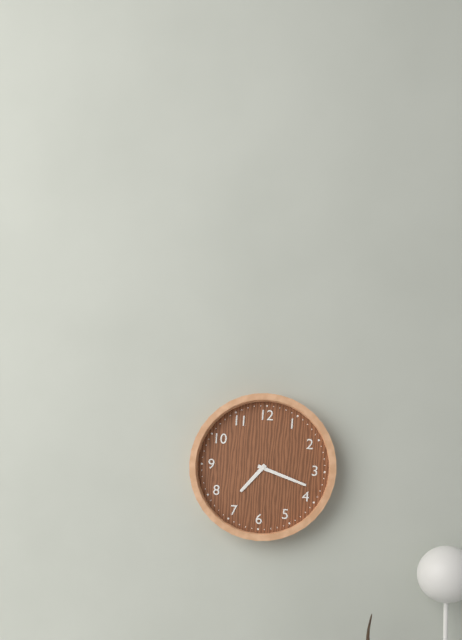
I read 7,18
